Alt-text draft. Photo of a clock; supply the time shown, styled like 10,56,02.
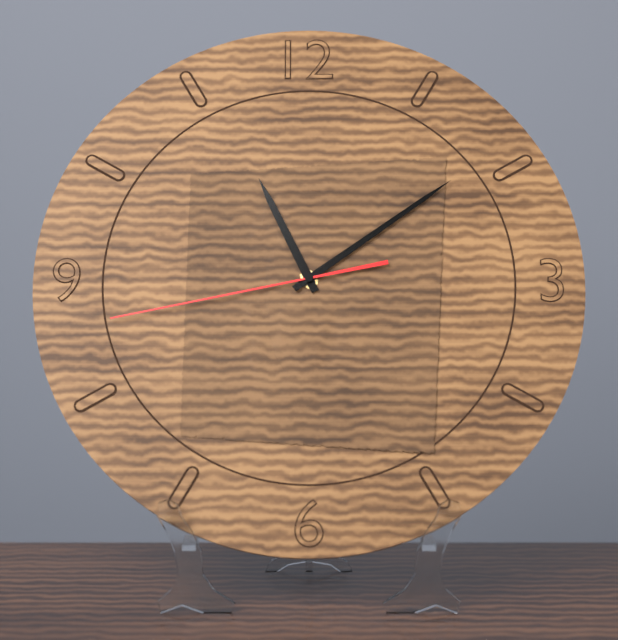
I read 11,09,43
